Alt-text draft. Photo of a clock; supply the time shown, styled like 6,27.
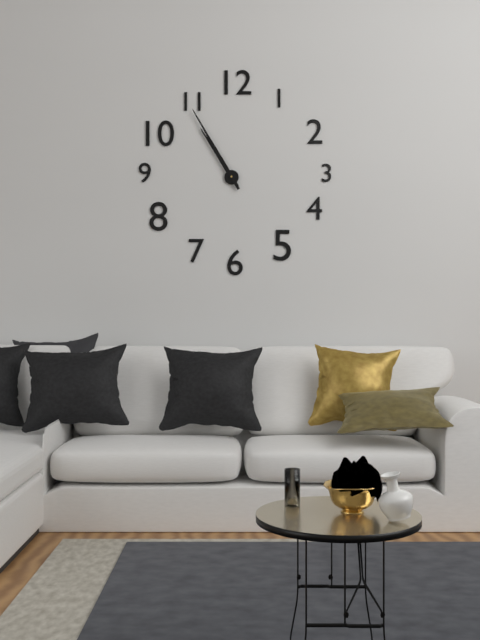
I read 10,55
